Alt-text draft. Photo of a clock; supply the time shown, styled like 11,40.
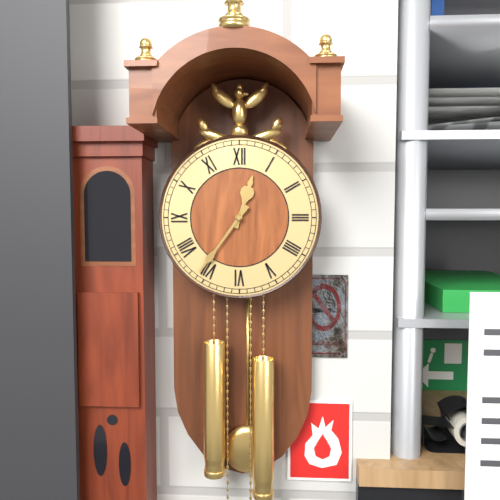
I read 12,36
